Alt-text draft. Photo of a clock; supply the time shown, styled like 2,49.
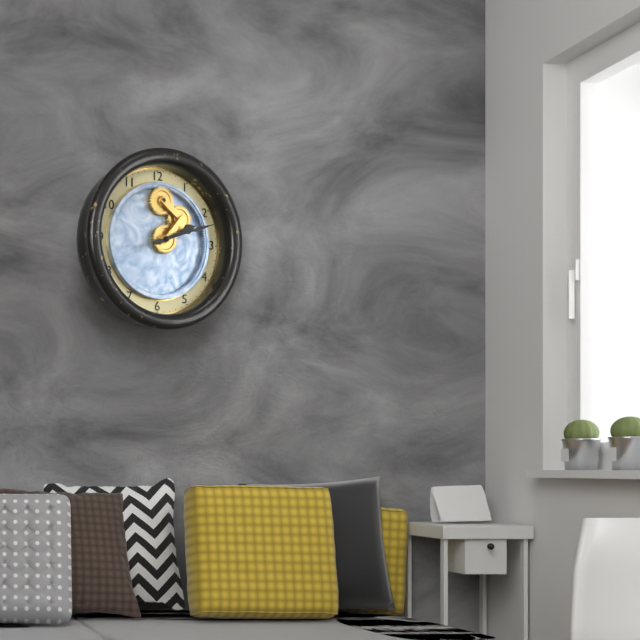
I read 2,12
